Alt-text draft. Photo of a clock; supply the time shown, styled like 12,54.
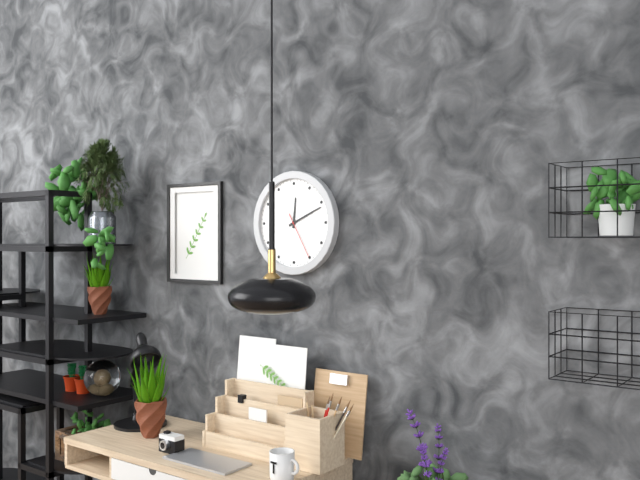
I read 12,11
